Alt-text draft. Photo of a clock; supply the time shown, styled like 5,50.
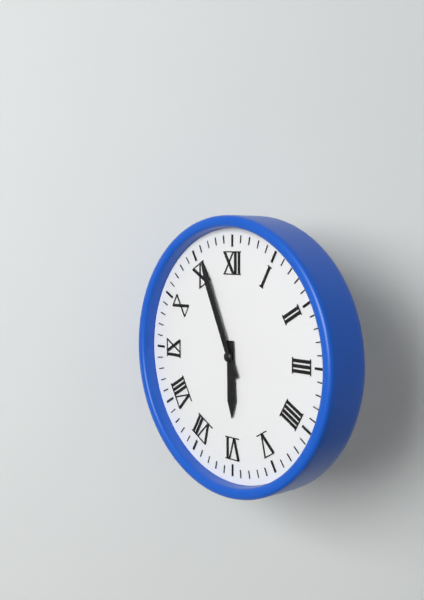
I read 5,56
